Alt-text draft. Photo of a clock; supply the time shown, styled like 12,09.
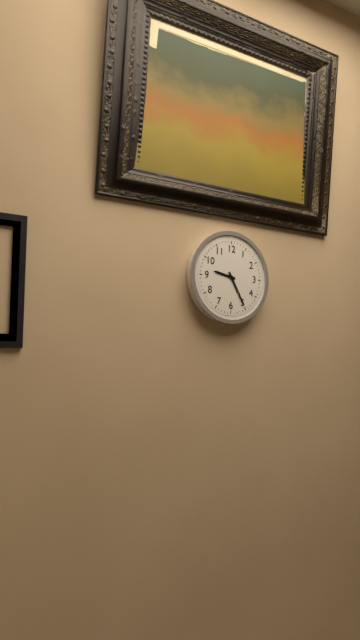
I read 9,25
